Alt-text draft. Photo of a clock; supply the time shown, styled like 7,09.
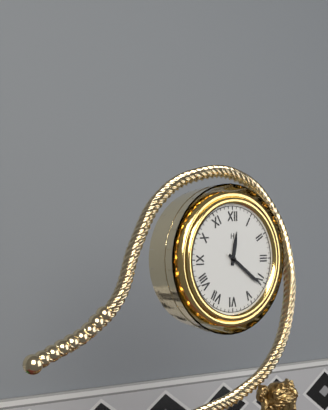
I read 12,21
